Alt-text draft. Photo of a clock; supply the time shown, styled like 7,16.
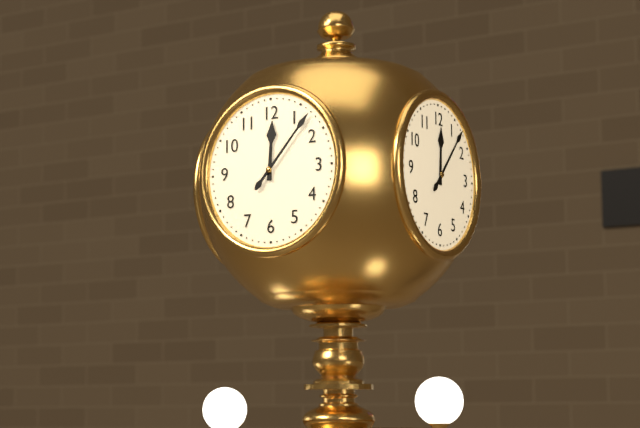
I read 12,07
